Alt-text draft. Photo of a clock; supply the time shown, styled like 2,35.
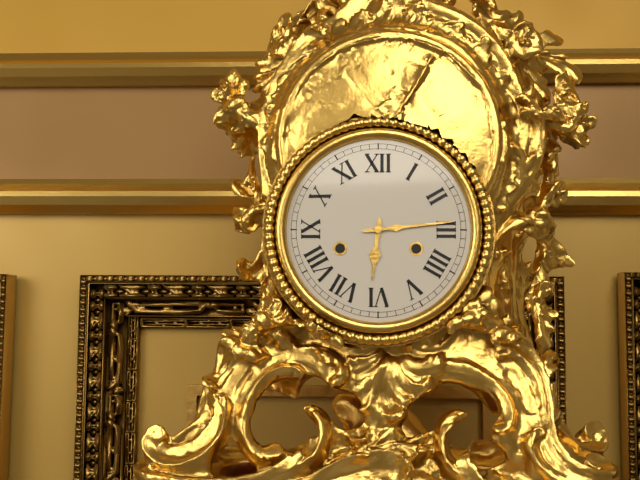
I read 6,14
